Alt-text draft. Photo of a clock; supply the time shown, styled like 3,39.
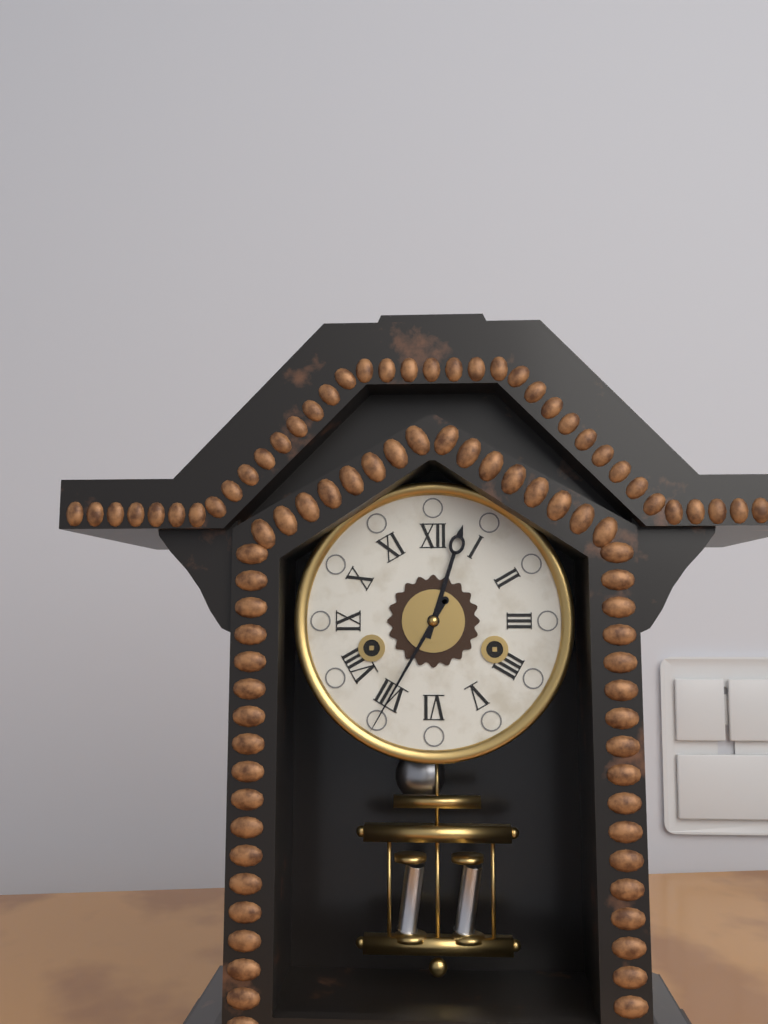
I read 12,35
